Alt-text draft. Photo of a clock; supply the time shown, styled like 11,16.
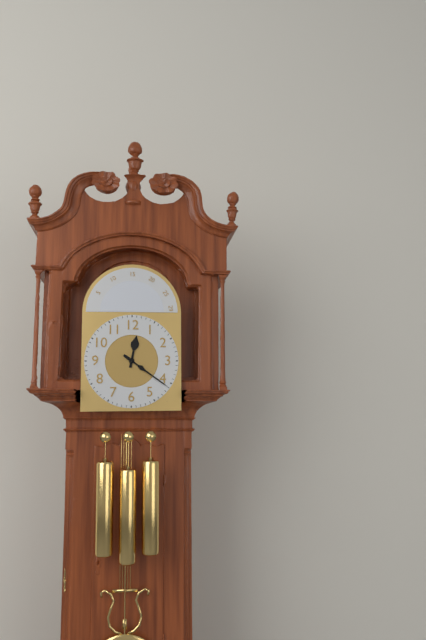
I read 12,21
